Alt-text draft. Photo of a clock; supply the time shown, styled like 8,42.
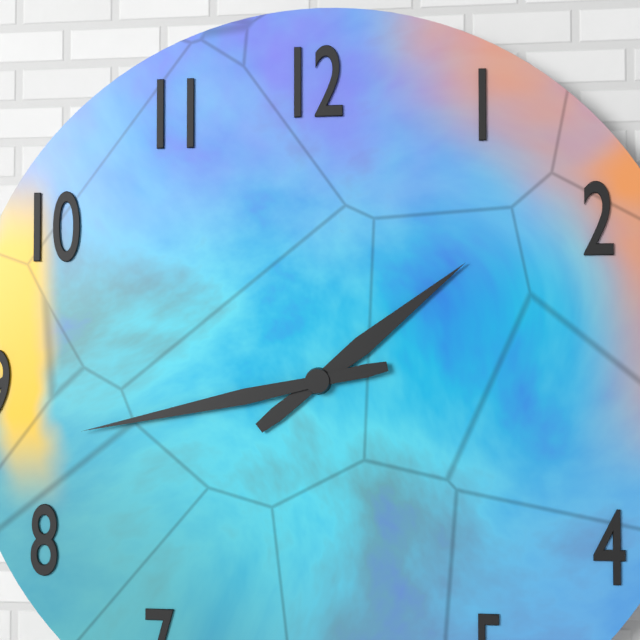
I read 1,43
